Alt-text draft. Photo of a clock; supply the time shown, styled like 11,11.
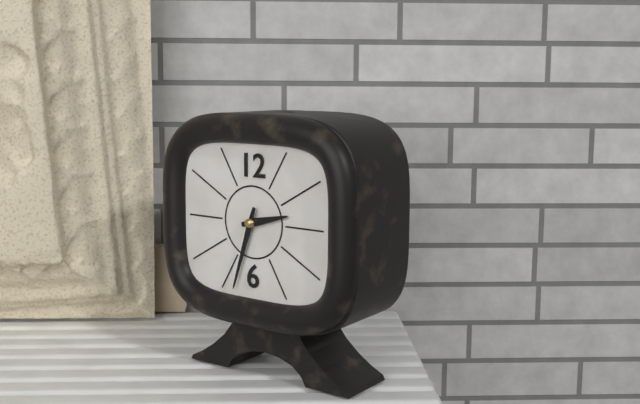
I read 2,33
